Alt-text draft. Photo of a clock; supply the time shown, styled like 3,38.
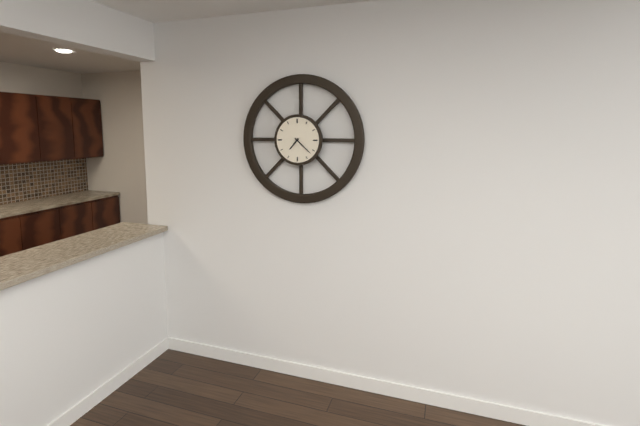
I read 7,22
